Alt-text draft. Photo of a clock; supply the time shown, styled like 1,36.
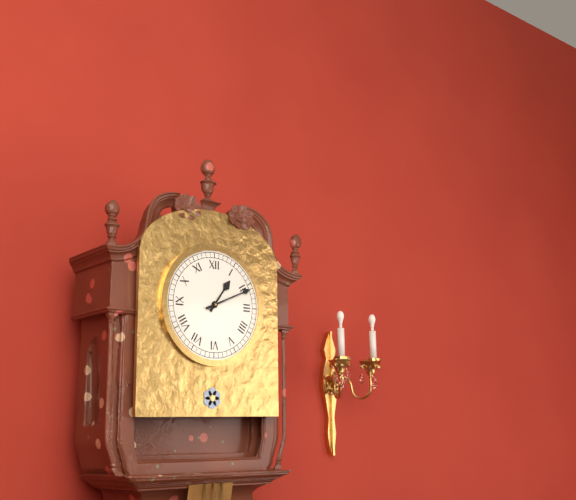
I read 1,11
